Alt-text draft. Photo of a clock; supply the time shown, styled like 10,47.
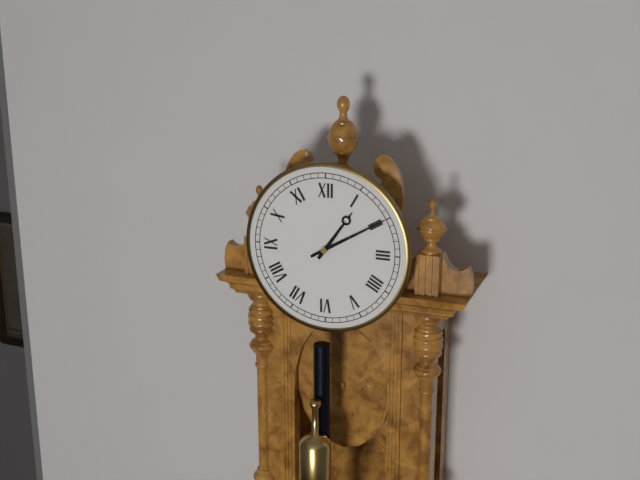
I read 1,10
